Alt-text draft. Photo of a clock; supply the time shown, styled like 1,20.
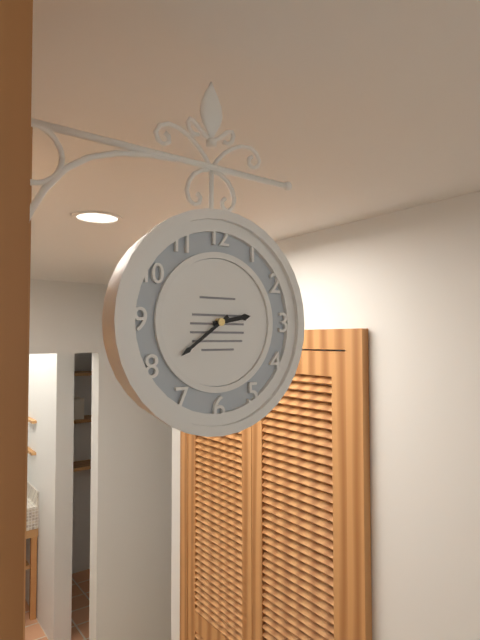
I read 2,39
